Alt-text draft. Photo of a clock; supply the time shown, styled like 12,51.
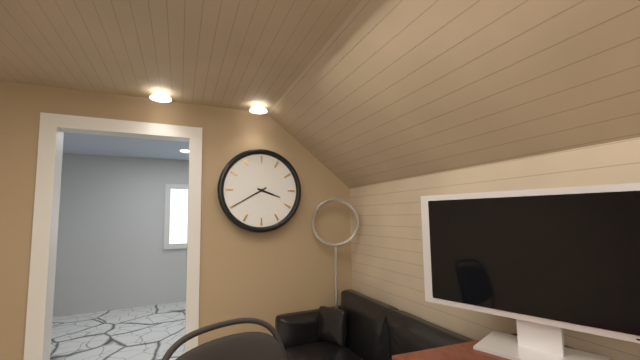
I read 3,40
